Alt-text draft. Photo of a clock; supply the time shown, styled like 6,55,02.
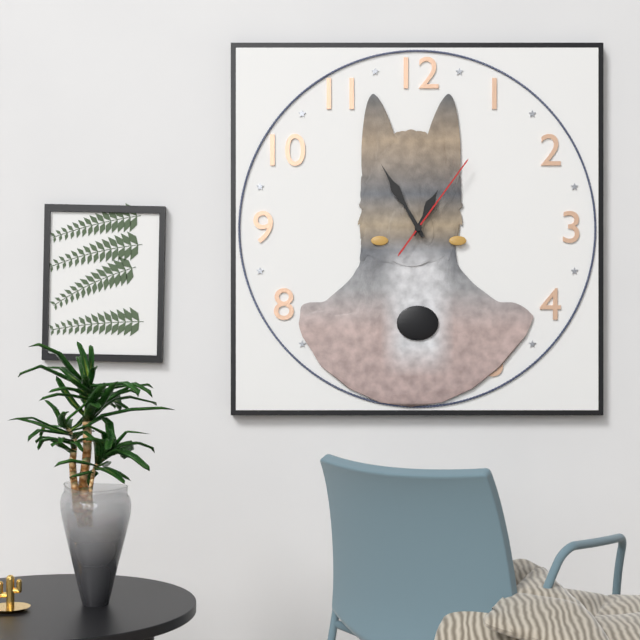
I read 12,55,06
